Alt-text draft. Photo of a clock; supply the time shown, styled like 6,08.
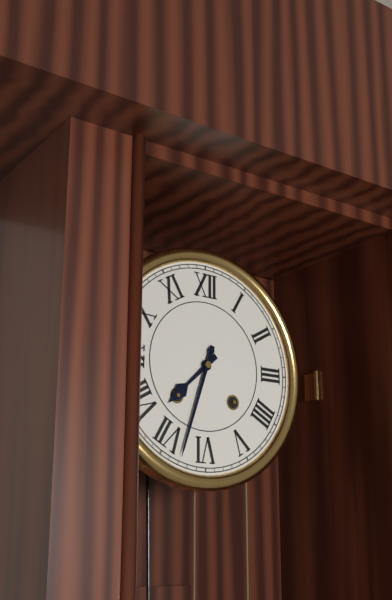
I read 7,33
